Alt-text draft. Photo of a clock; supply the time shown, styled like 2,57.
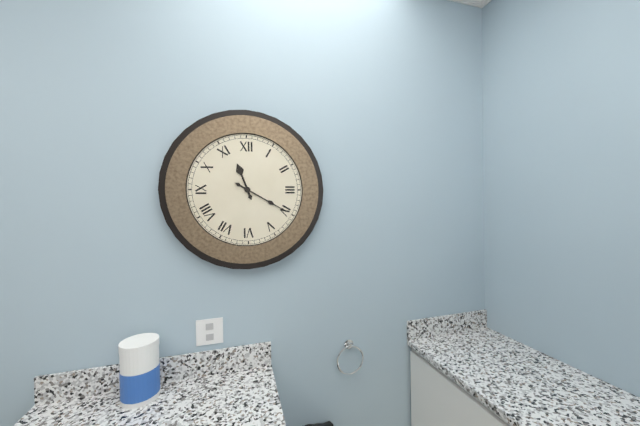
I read 11,20
